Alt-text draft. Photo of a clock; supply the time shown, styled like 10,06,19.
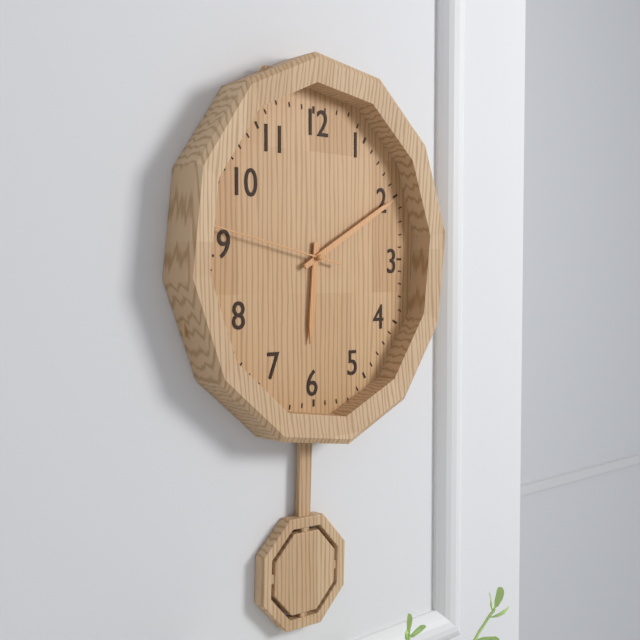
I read 6,10,47
